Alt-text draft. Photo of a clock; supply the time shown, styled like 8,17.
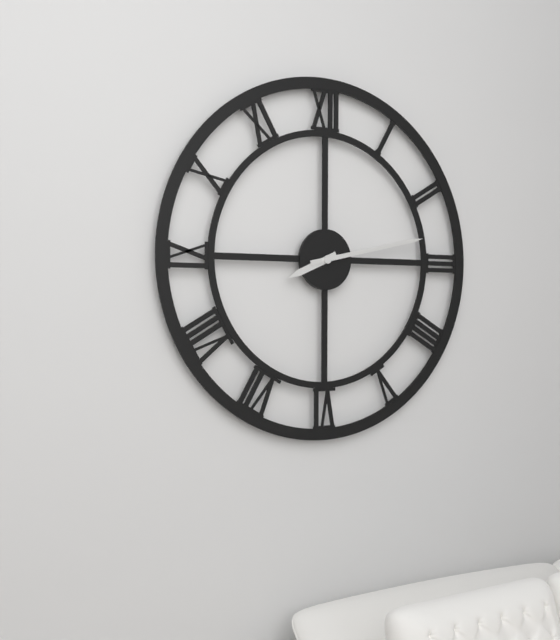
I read 8,13
